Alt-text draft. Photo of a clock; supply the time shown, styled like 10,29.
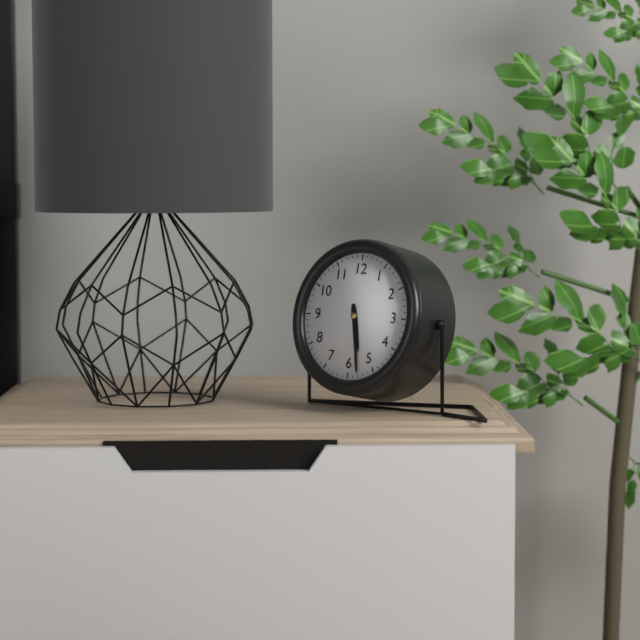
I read 5,28
